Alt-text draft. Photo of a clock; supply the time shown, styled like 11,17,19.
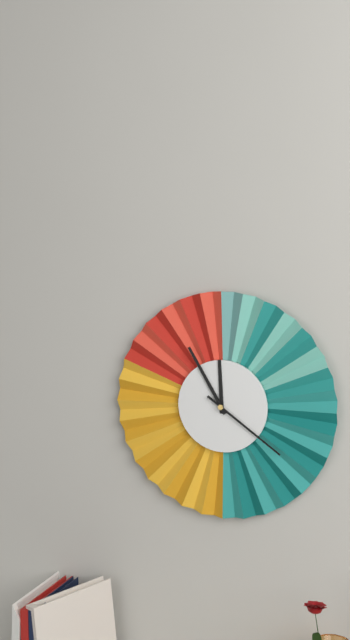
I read 11,55,21
